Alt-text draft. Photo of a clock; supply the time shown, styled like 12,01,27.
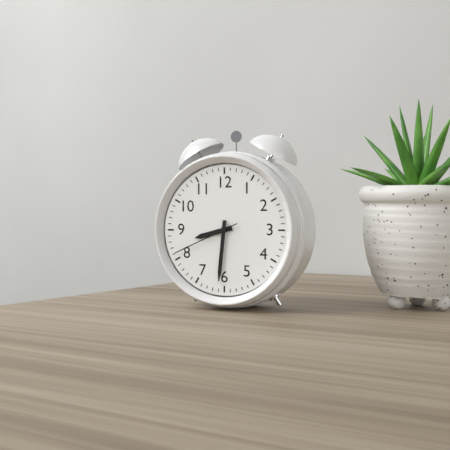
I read 8,31,41
